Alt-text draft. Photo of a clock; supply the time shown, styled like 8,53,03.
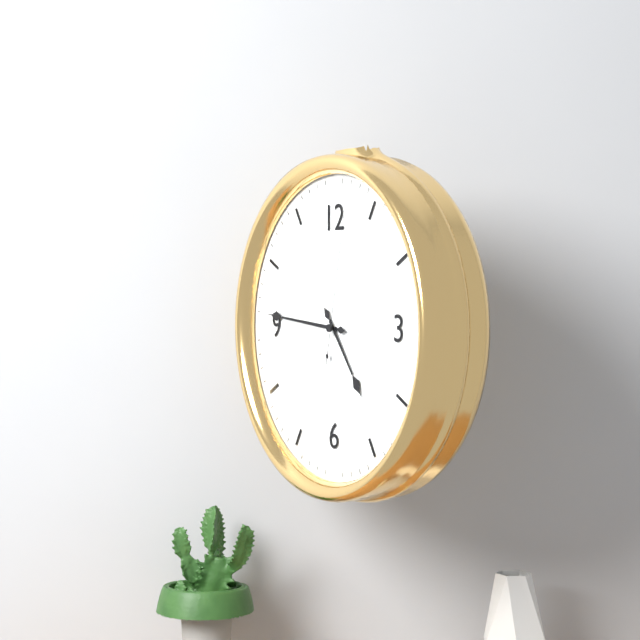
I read 4,46,02
